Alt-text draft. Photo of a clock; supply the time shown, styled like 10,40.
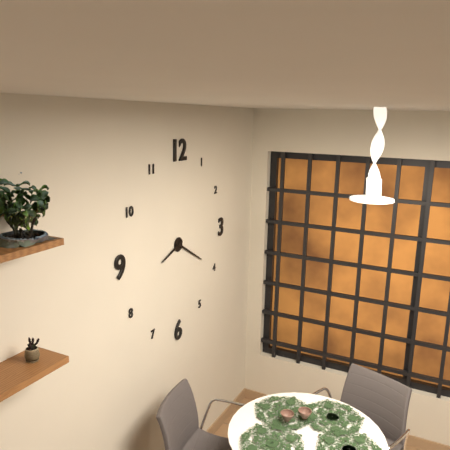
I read 8,20
